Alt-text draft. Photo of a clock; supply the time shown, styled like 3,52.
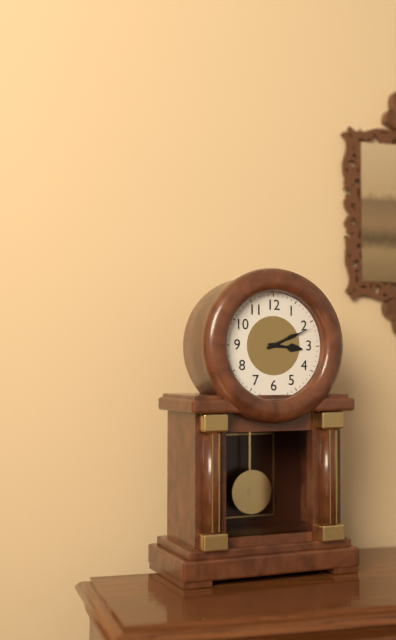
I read 3,11
